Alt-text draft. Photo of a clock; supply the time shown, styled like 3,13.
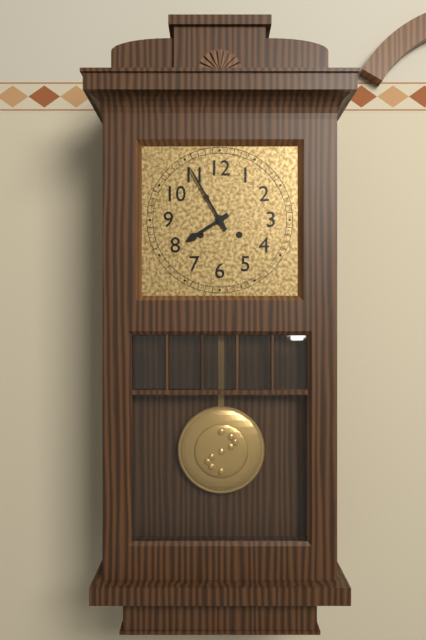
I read 7,55
